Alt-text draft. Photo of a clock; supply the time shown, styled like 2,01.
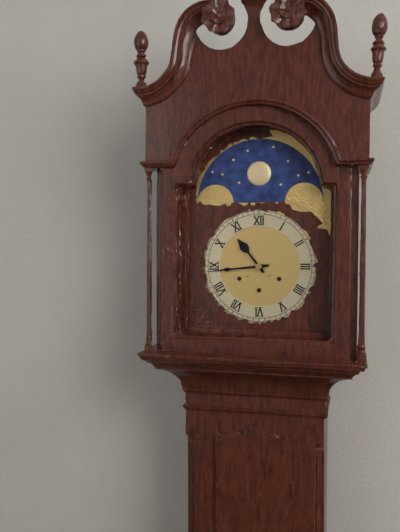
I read 10,44
